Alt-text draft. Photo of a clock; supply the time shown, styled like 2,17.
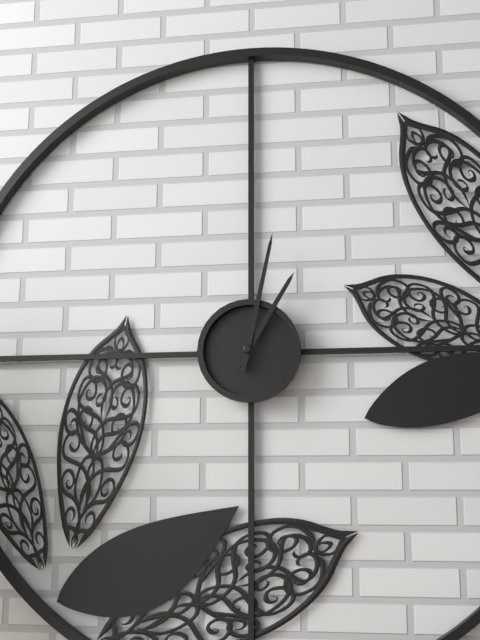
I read 1,02
